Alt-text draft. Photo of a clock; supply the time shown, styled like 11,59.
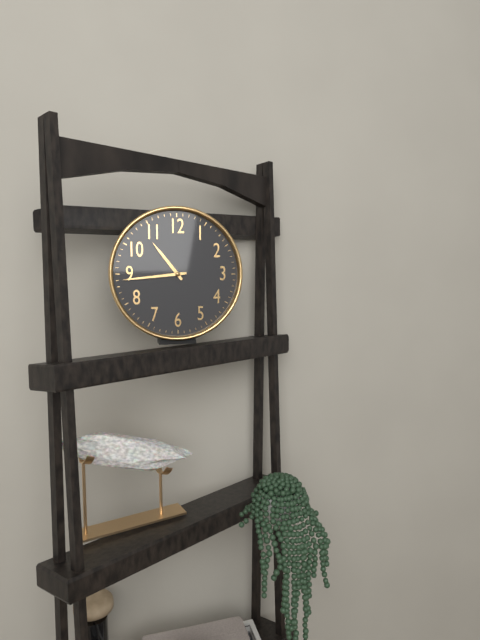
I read 10,44
